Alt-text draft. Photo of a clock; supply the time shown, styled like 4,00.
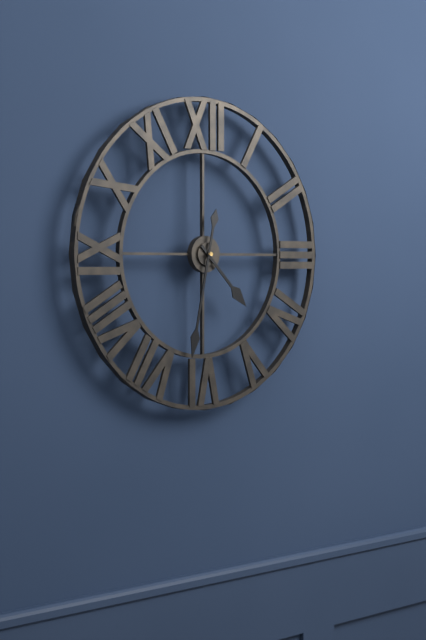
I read 4,32
